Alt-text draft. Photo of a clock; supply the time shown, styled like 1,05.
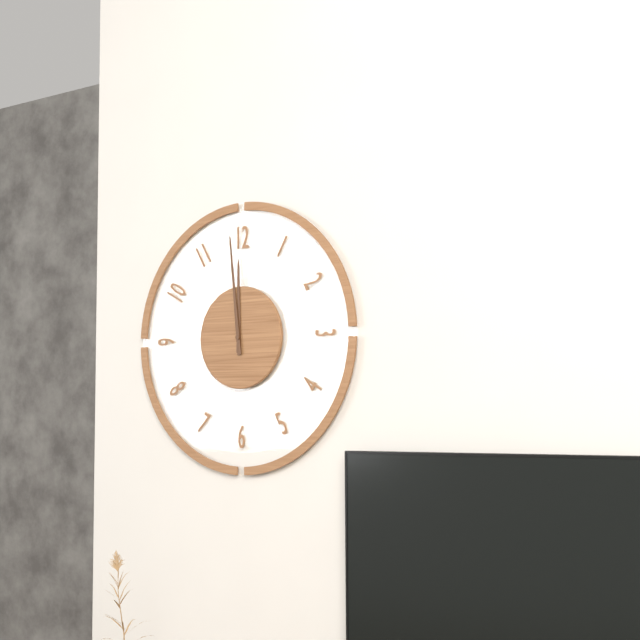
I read 11,59
